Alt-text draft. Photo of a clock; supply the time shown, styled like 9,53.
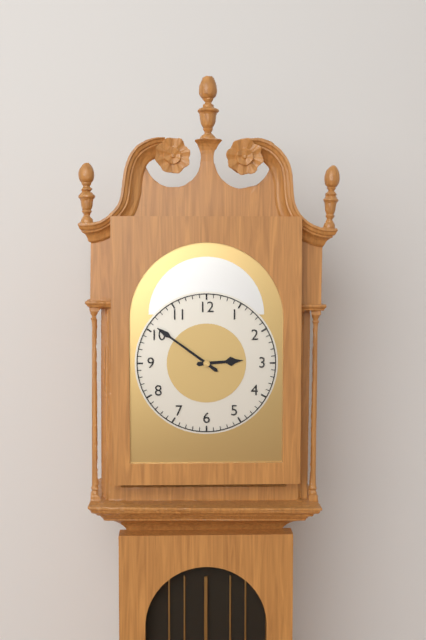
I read 2,51
